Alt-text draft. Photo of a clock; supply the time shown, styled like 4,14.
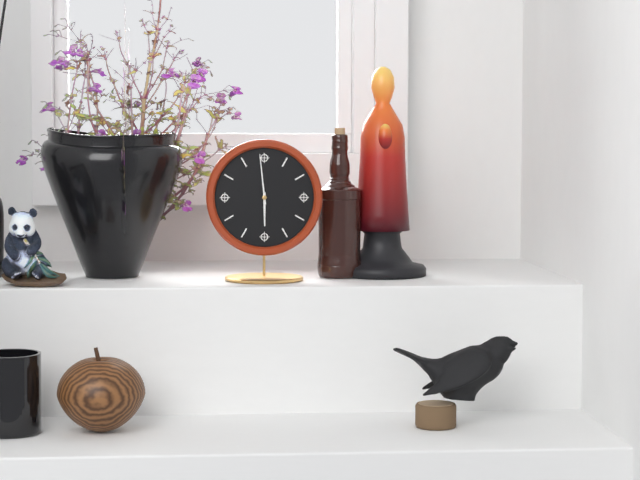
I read 5,59
